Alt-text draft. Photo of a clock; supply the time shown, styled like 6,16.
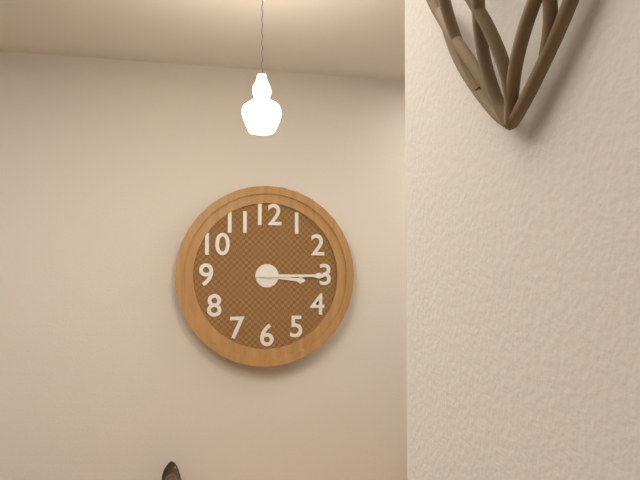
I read 3,15
